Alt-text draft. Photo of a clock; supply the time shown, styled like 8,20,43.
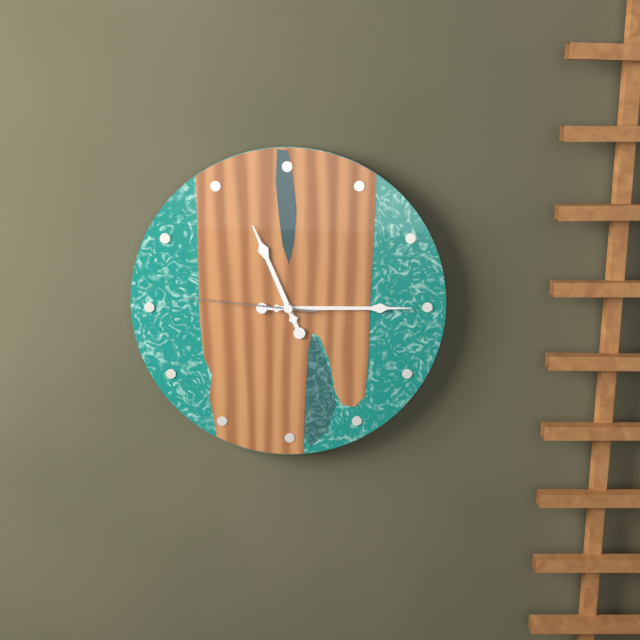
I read 11,15,46
